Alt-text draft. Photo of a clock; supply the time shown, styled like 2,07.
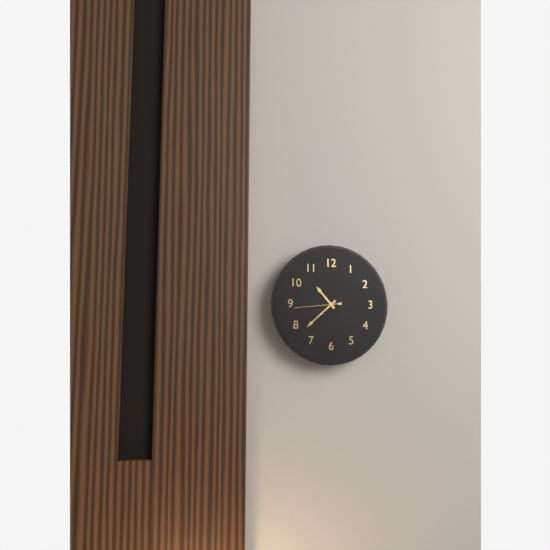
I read 10,38
